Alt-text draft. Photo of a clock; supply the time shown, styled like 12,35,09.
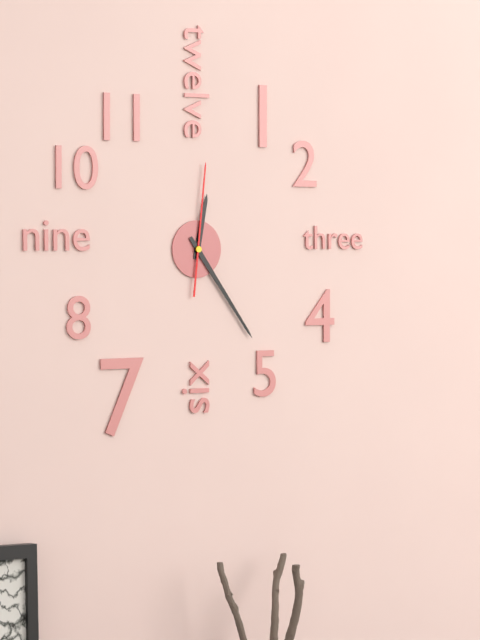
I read 12,24,01
